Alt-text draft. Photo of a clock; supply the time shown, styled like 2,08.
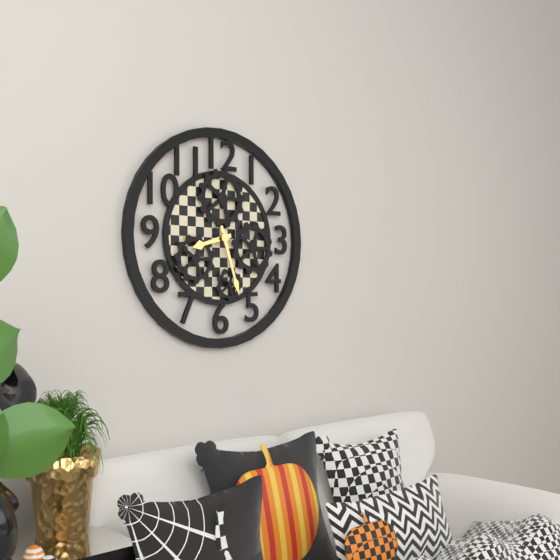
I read 8,27
